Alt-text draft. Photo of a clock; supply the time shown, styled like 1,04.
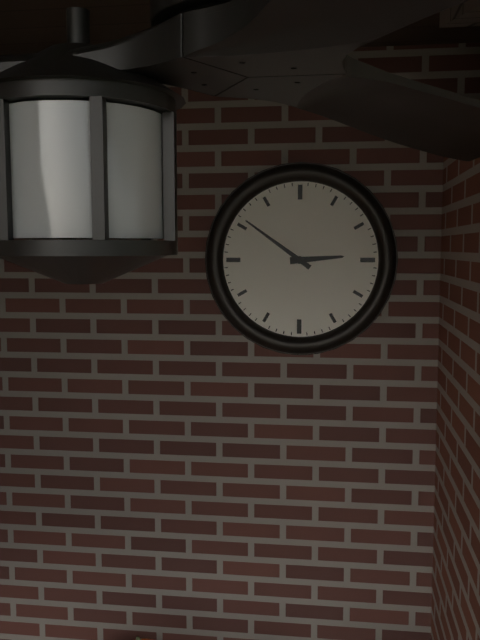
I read 2,51
